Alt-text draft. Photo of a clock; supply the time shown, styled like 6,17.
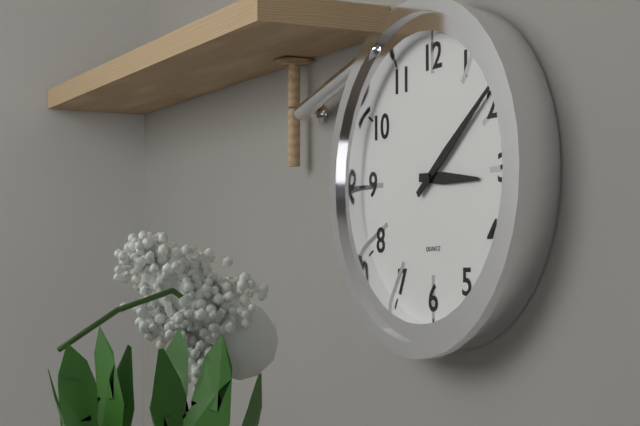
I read 3,09
